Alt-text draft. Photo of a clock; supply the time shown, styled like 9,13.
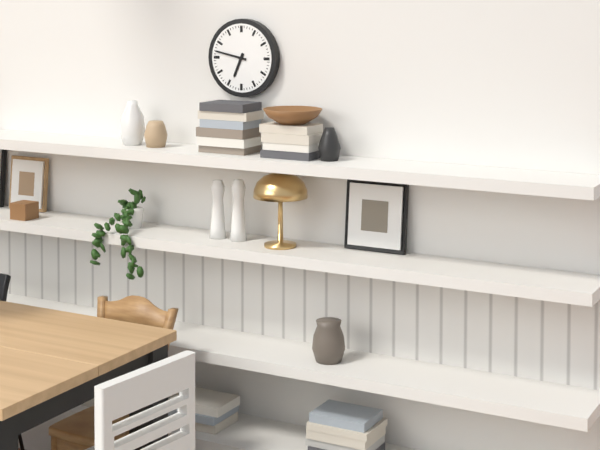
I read 6,47
